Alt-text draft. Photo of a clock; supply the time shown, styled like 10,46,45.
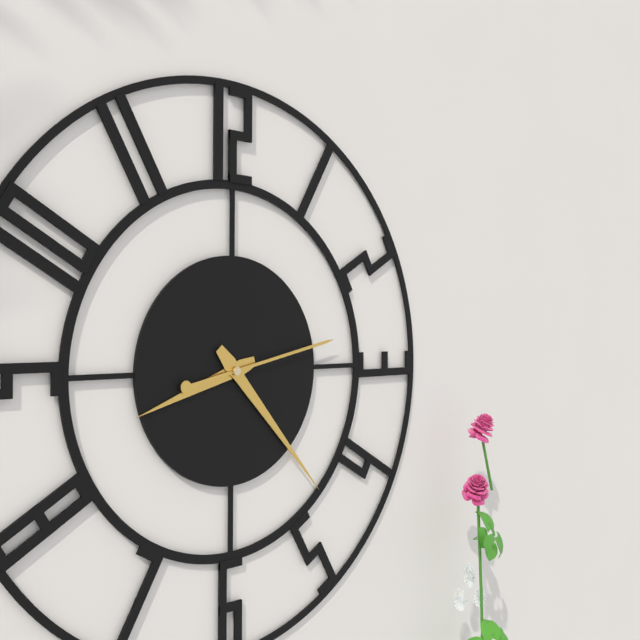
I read 8,23,13
